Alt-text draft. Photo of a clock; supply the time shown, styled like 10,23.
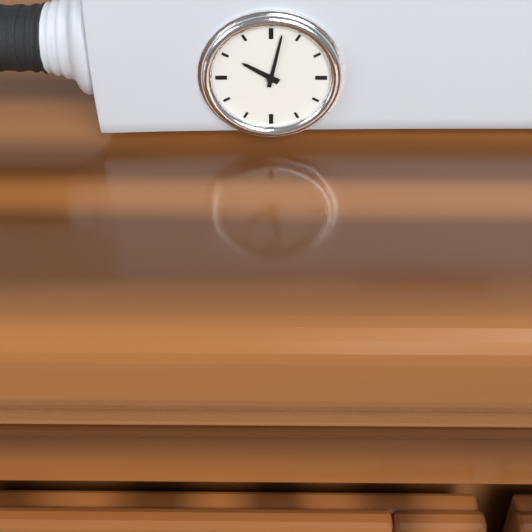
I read 10,02
